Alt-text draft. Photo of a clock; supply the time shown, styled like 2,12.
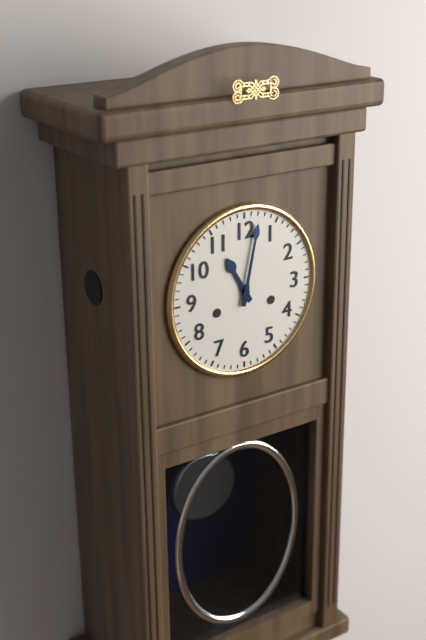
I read 11,02
